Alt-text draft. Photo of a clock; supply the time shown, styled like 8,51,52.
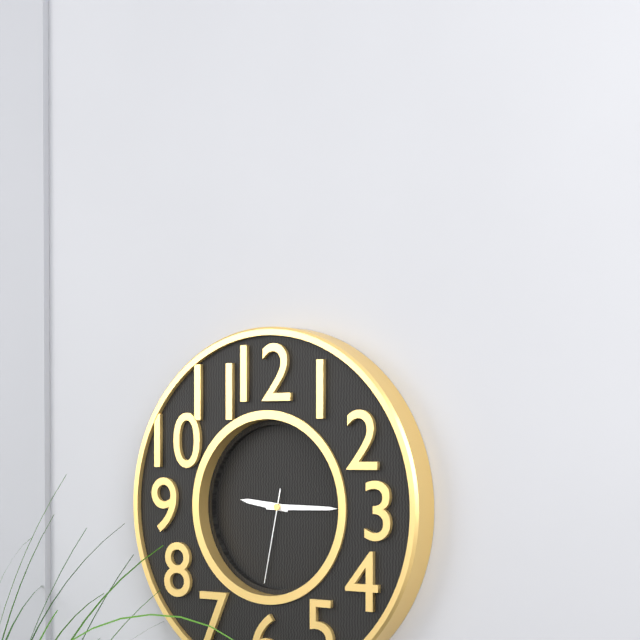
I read 9,15,32
